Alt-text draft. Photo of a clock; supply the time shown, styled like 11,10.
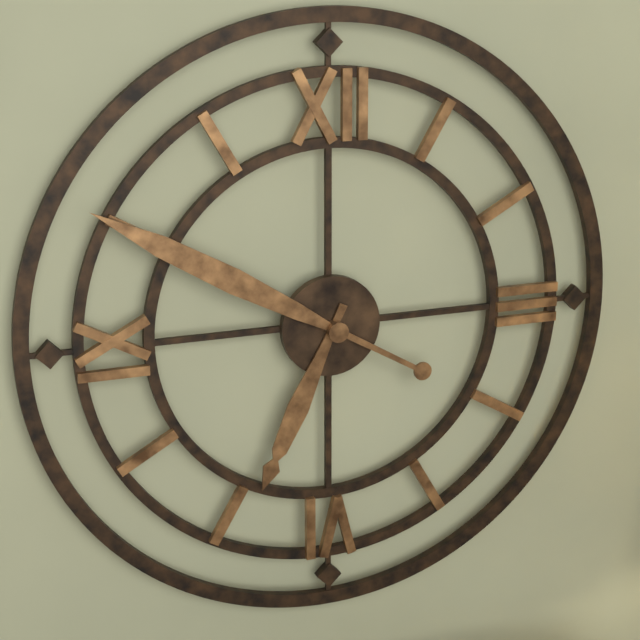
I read 6,50
